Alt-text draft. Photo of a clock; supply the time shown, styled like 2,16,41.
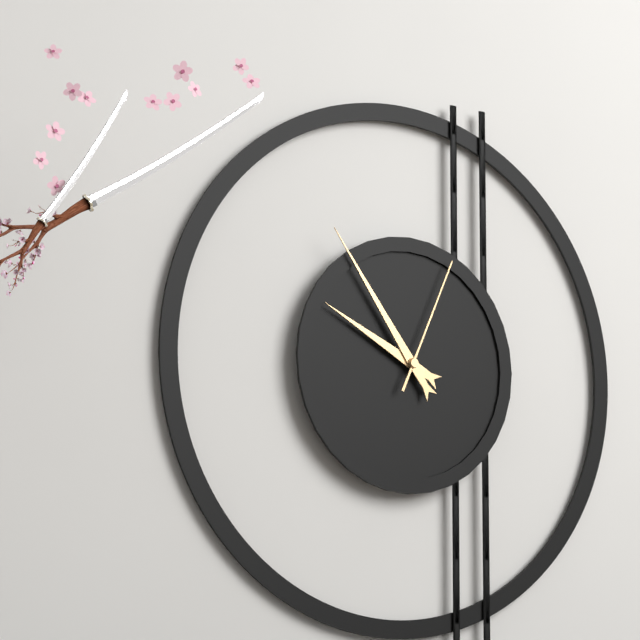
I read 9,54,04
